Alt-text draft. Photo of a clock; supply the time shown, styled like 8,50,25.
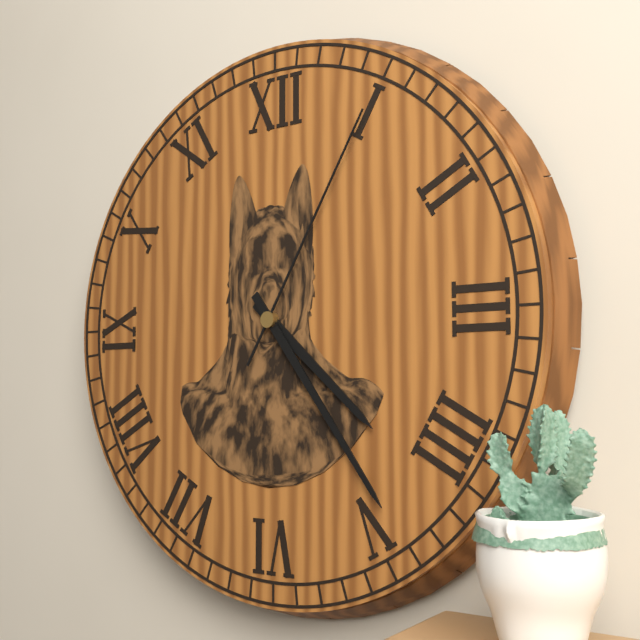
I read 4,24,05
